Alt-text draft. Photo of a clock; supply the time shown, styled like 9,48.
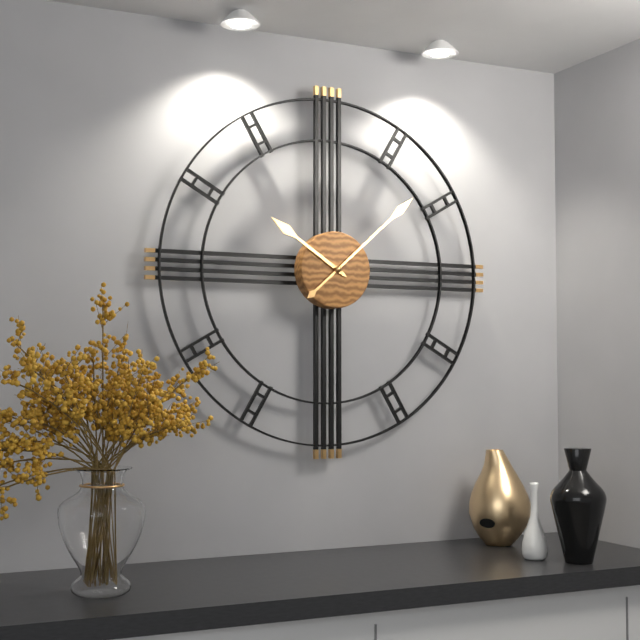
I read 10,08
